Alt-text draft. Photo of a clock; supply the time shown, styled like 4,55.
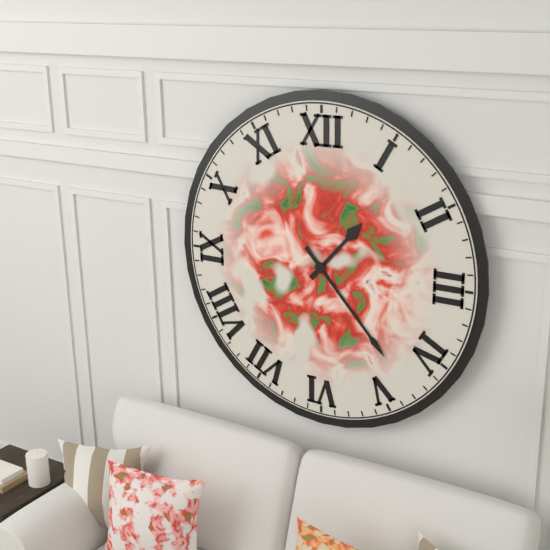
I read 1,23
